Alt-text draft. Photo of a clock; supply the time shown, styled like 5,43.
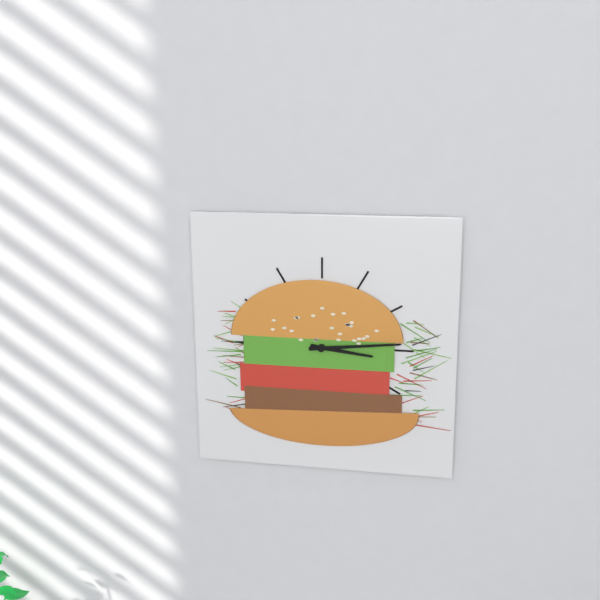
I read 3,14
